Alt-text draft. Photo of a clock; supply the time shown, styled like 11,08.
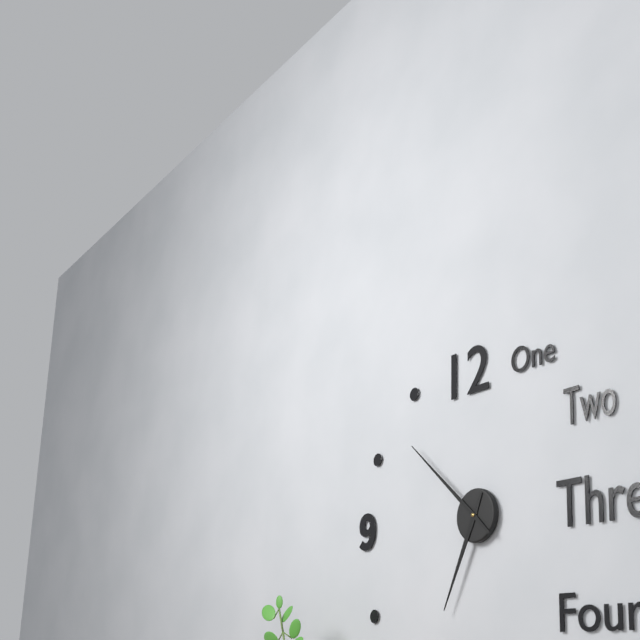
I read 6,52
